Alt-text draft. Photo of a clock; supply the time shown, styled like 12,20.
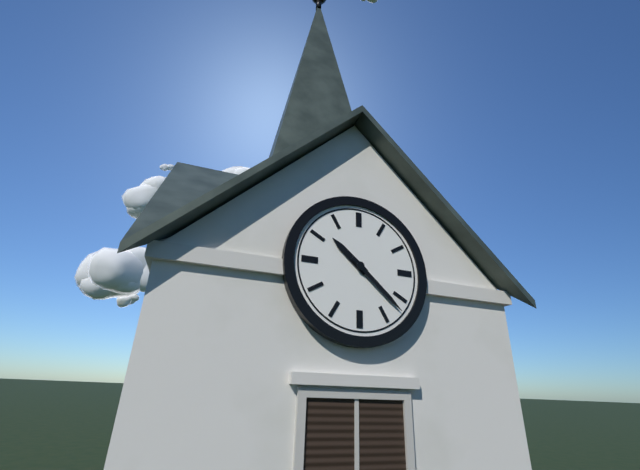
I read 10,22
